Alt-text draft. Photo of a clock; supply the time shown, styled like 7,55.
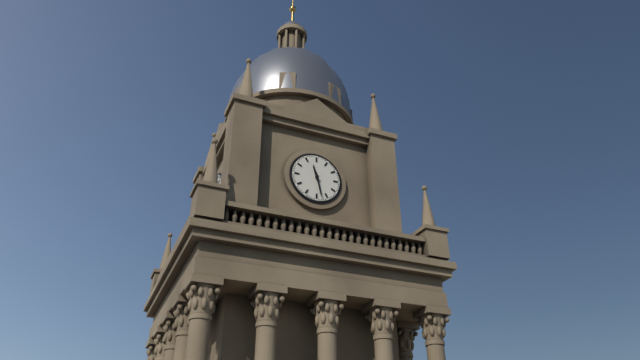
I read 11,28
